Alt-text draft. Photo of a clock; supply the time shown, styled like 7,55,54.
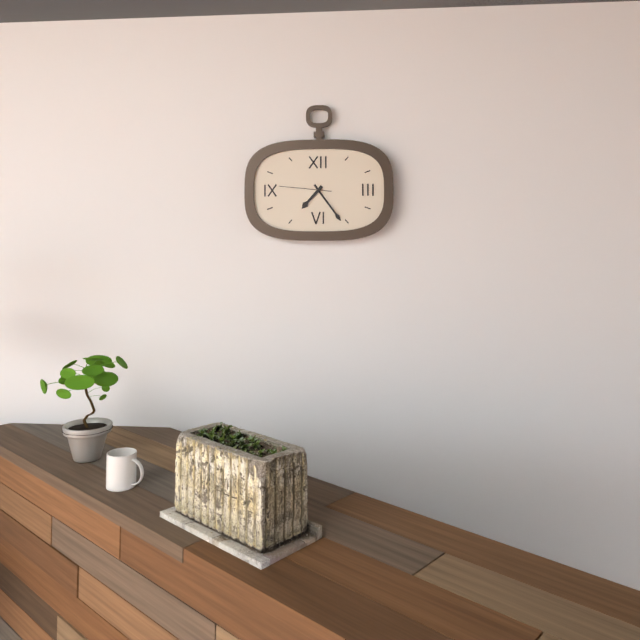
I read 7,24,46
